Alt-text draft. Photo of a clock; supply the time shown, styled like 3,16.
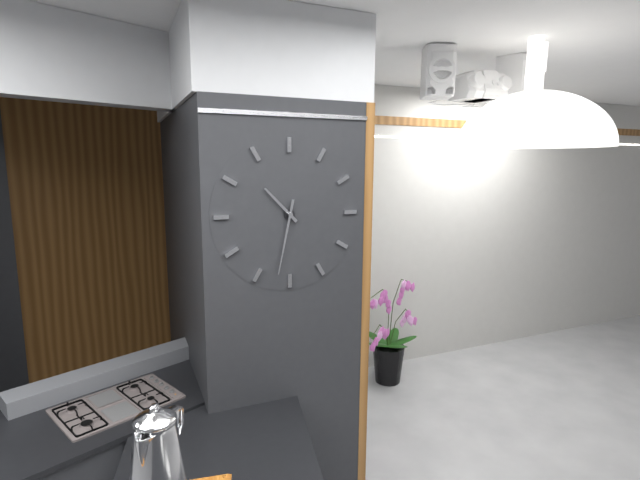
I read 10,32
